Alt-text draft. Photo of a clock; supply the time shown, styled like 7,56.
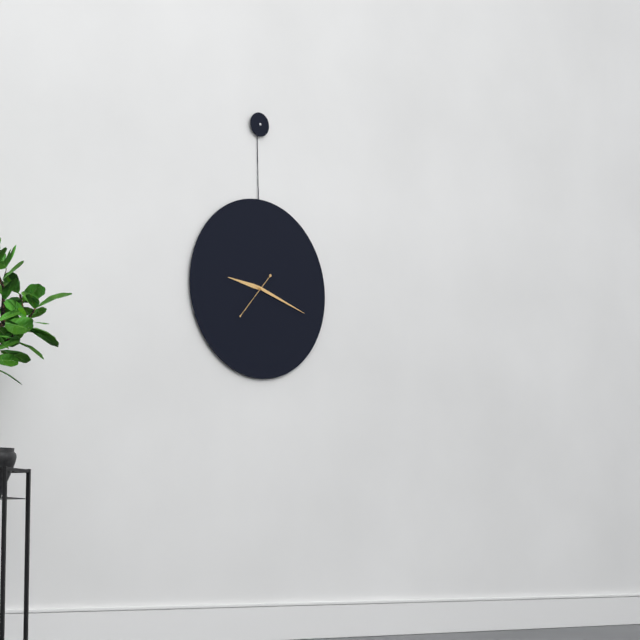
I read 9,18
